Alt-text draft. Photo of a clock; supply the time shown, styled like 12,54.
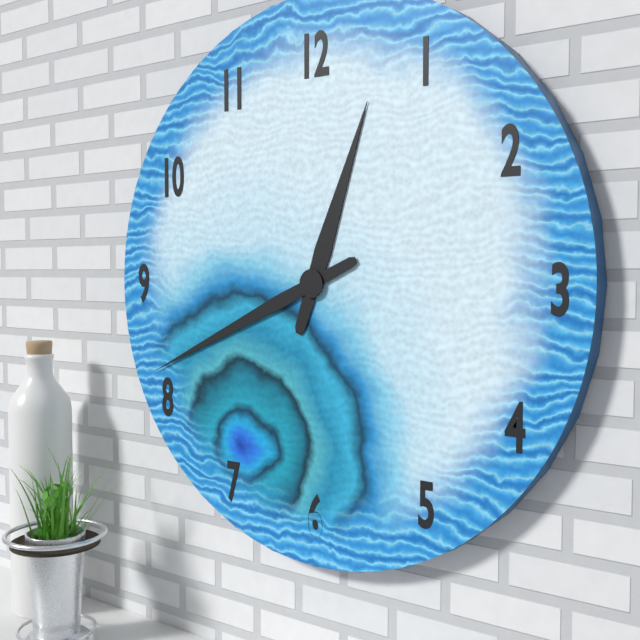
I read 12,41
